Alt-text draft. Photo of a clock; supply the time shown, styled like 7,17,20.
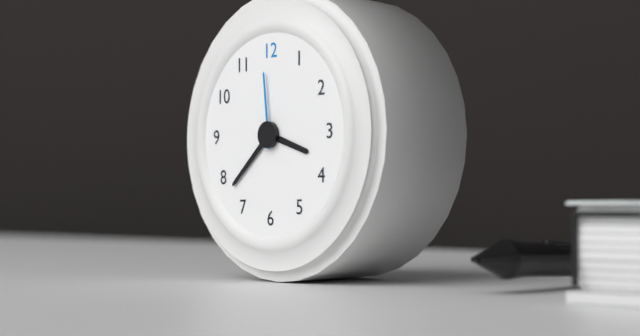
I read 3,38,59
